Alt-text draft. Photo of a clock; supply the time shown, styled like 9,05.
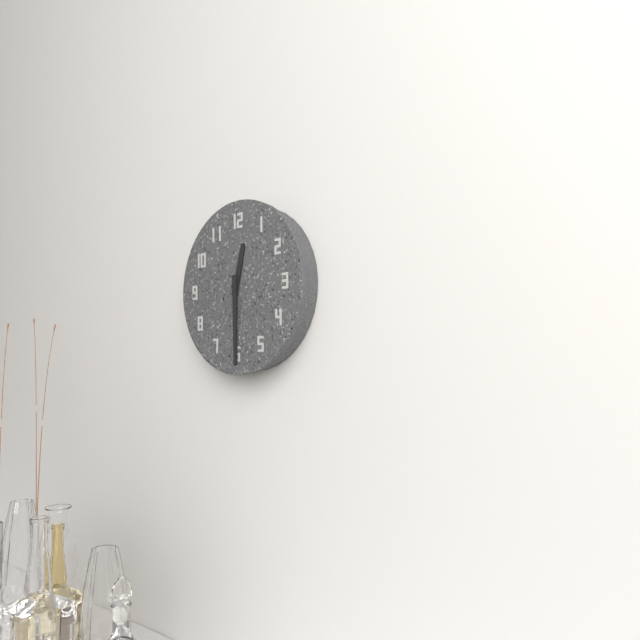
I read 12,30
